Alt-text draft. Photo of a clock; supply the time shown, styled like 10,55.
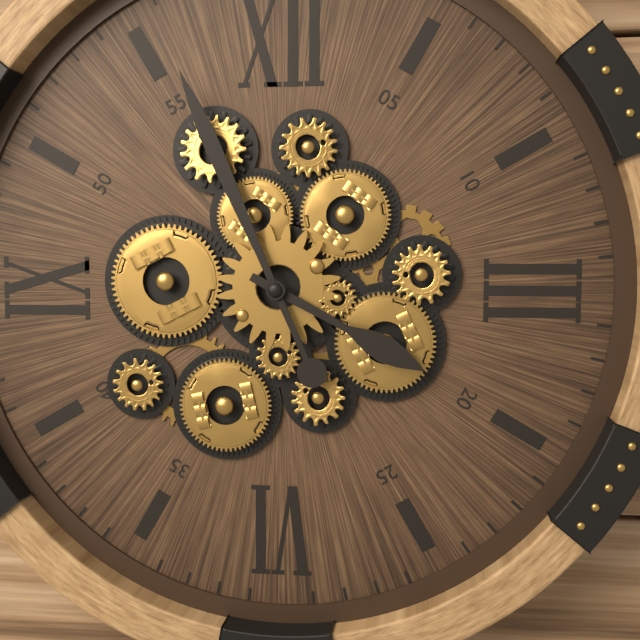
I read 3,56
